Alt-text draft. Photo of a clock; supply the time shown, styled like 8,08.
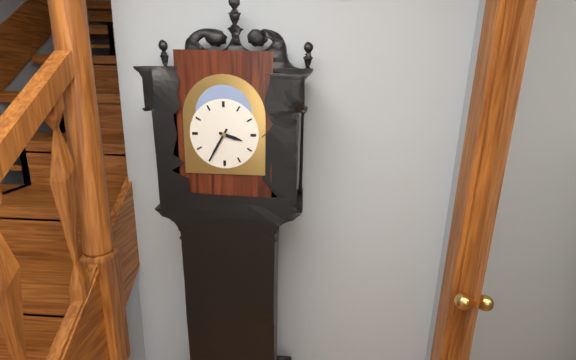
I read 3,35
